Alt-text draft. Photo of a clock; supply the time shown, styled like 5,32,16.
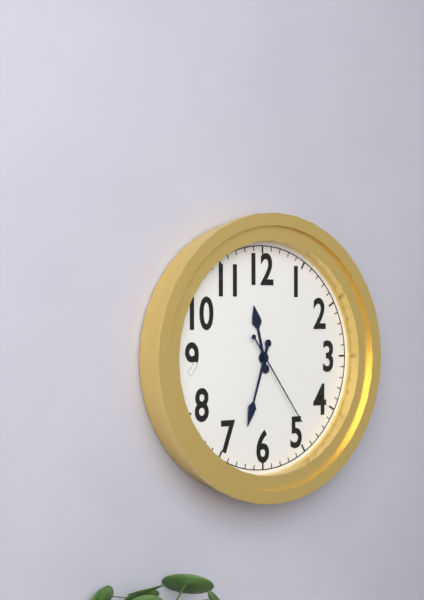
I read 11,33,24
